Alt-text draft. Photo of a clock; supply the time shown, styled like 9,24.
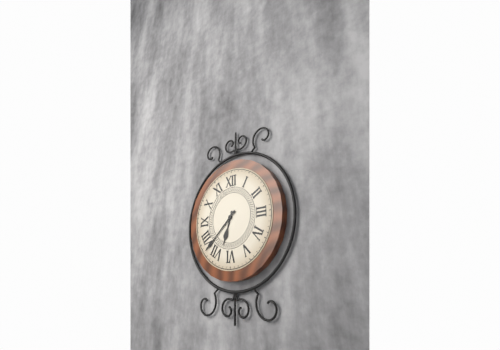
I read 6,38
